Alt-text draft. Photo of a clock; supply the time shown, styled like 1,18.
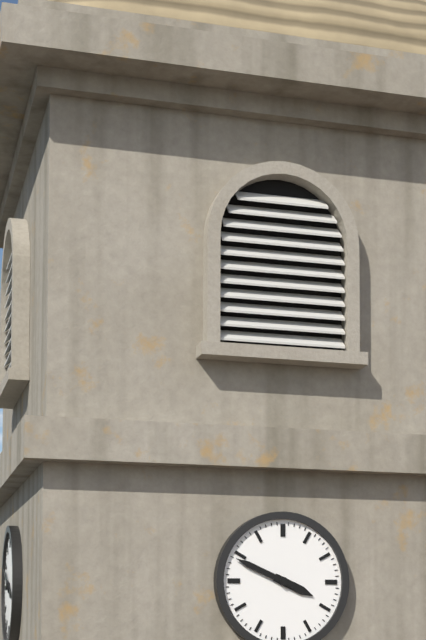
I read 3,49
